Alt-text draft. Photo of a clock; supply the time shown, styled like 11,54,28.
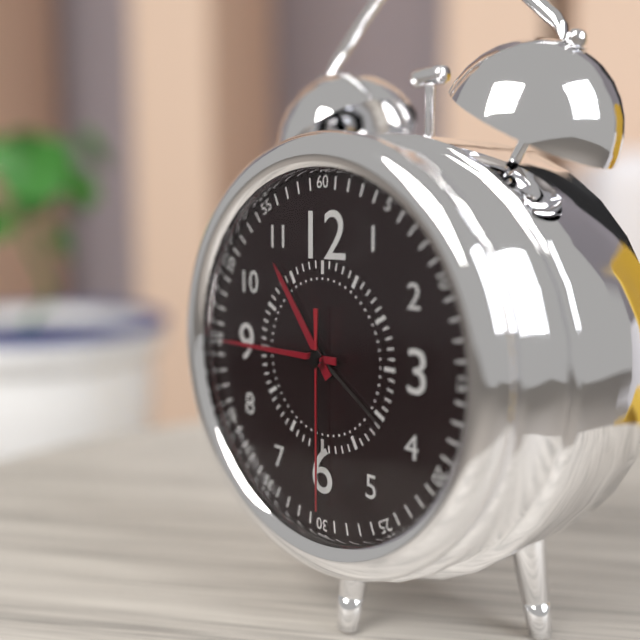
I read 10,45,30
